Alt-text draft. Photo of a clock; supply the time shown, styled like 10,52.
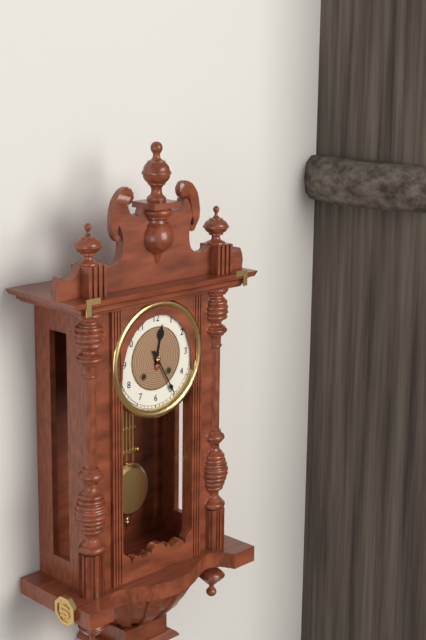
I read 12,25
